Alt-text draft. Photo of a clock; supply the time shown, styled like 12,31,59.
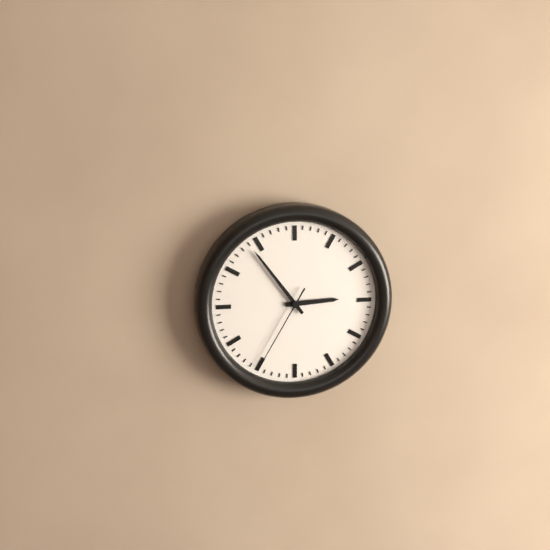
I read 2,54,35
